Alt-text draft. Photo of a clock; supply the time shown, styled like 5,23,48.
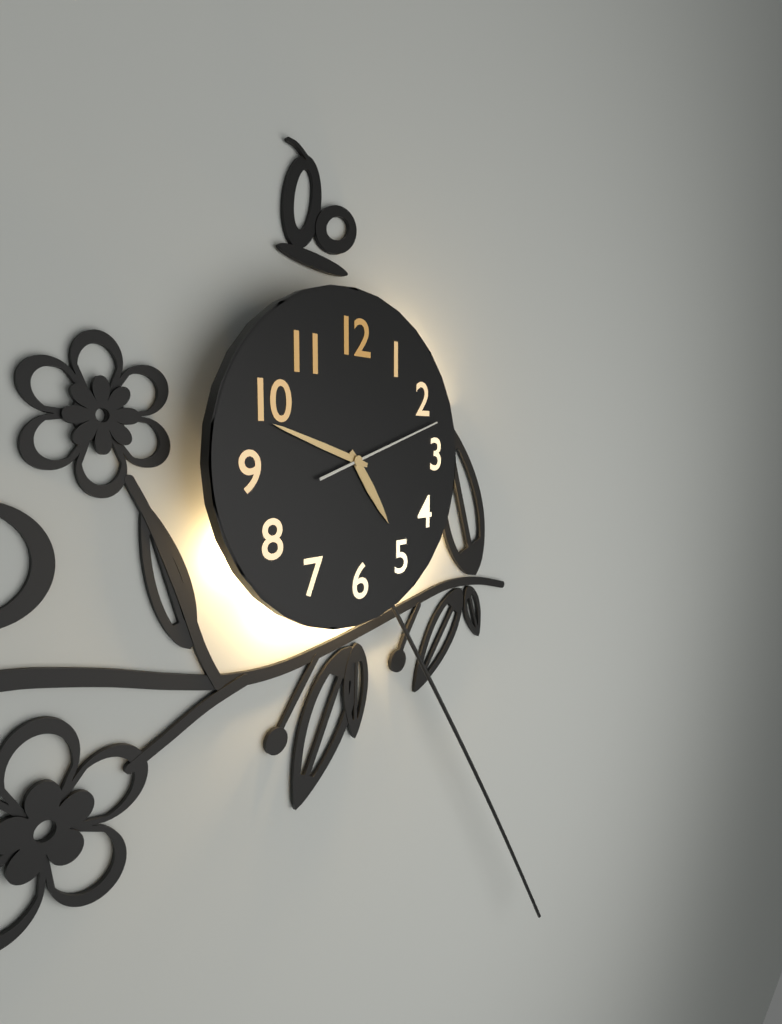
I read 4,48,12
